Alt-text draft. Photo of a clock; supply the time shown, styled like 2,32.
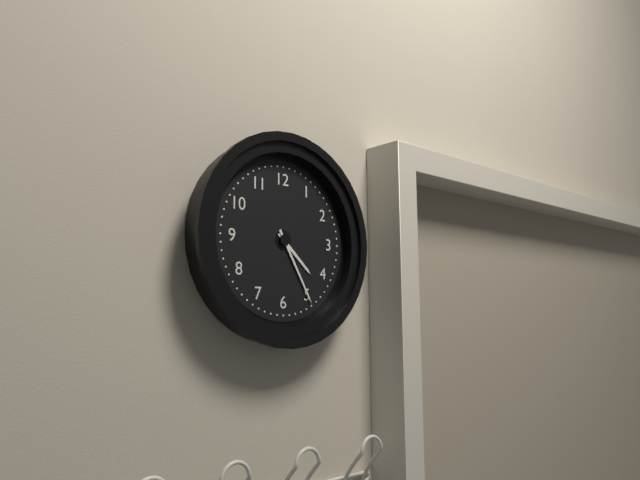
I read 4,25
